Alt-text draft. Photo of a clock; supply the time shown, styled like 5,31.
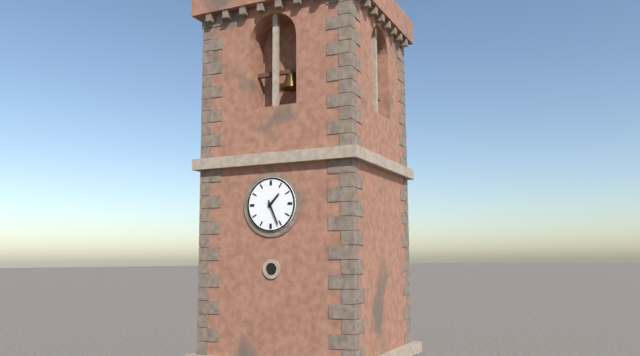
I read 1,26
